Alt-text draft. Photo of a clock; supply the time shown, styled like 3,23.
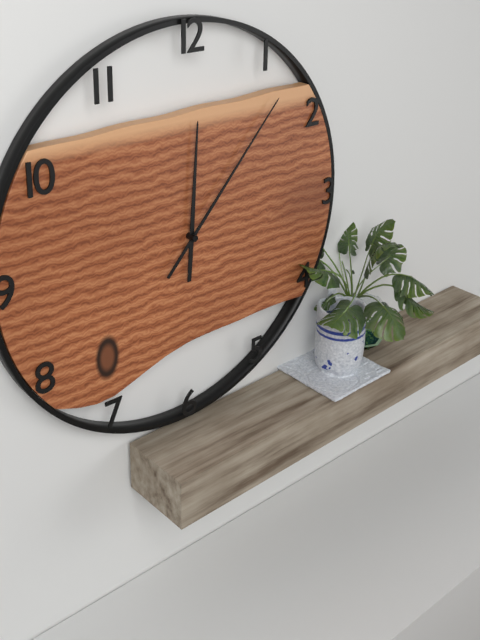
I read 12,07
